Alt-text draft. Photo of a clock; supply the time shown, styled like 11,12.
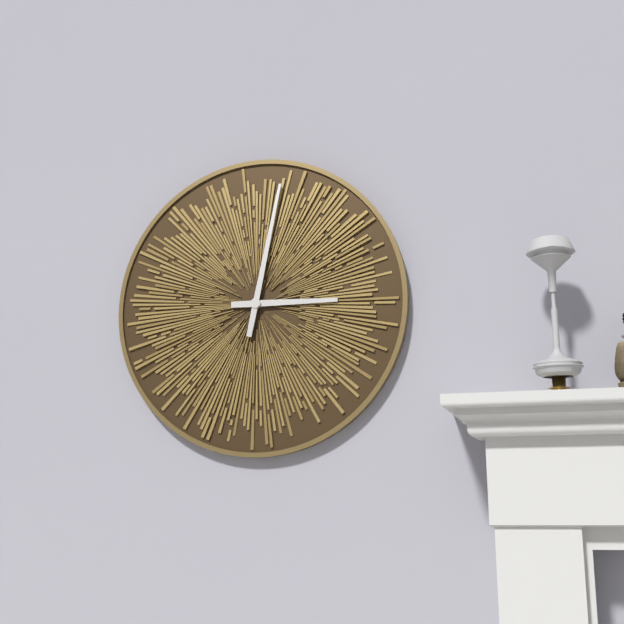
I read 3,02
